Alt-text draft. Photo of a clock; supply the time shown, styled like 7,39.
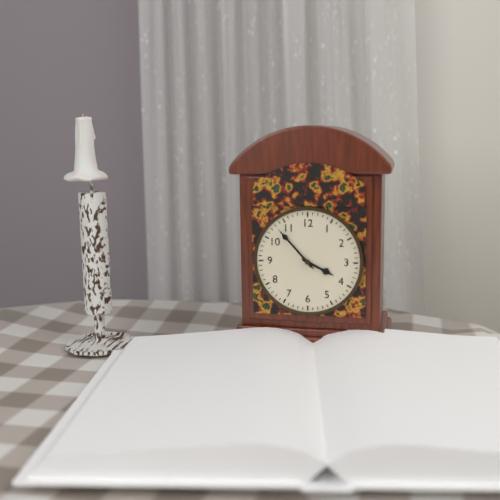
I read 3,53
